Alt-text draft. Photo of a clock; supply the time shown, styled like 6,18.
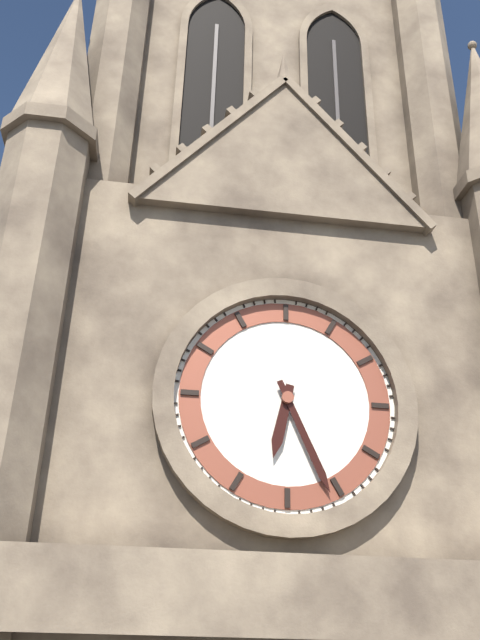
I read 6,26
